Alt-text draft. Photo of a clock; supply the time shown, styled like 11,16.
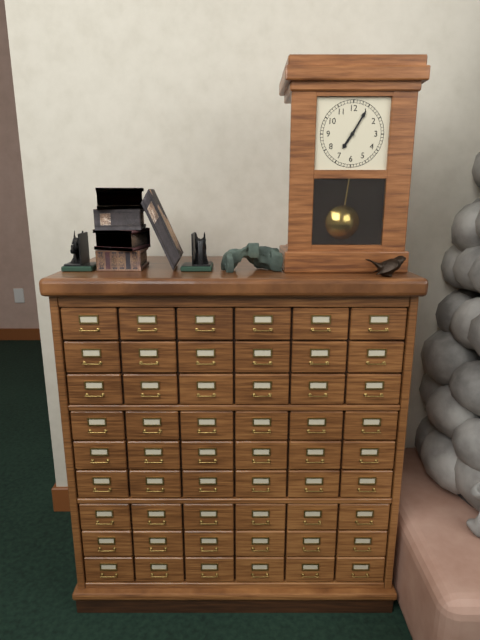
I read 7,05
